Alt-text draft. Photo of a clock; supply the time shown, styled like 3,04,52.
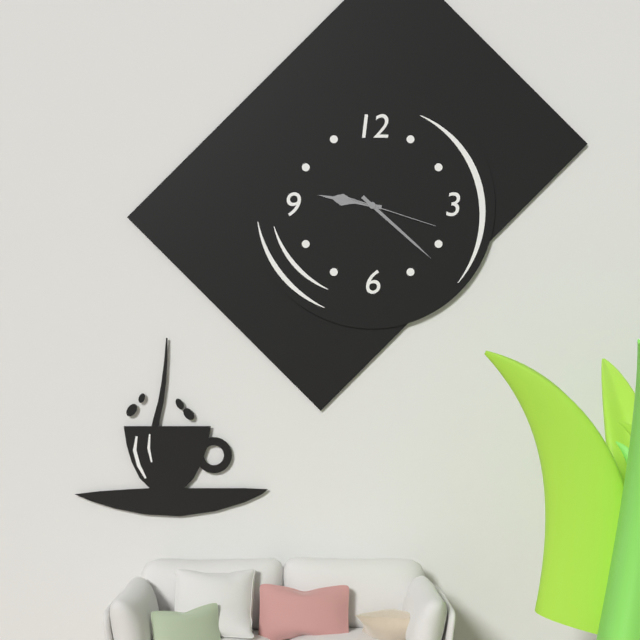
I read 9,22,18
